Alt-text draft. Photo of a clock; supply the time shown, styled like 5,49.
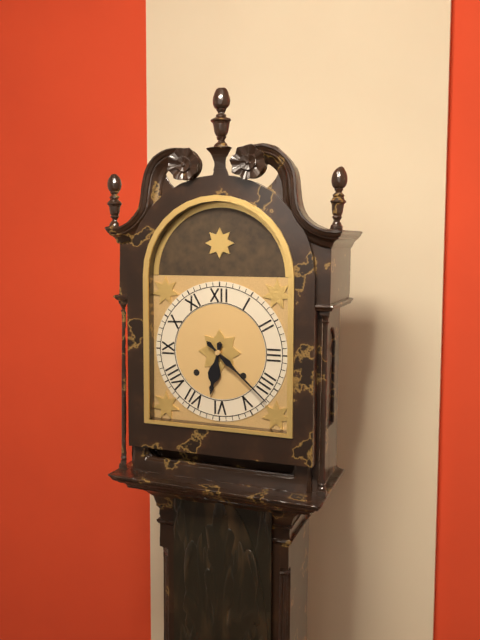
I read 6,22
